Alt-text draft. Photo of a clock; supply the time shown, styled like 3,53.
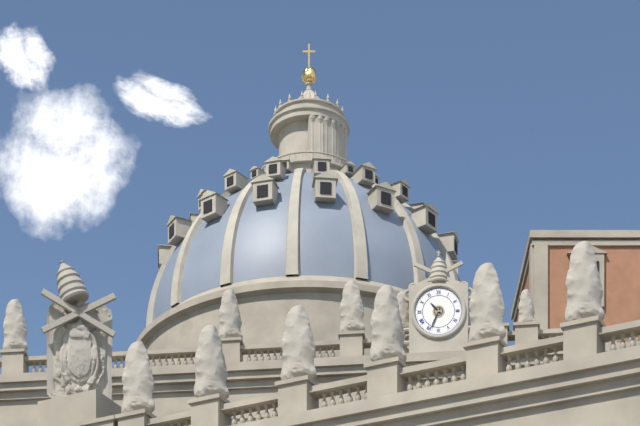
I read 10,34
